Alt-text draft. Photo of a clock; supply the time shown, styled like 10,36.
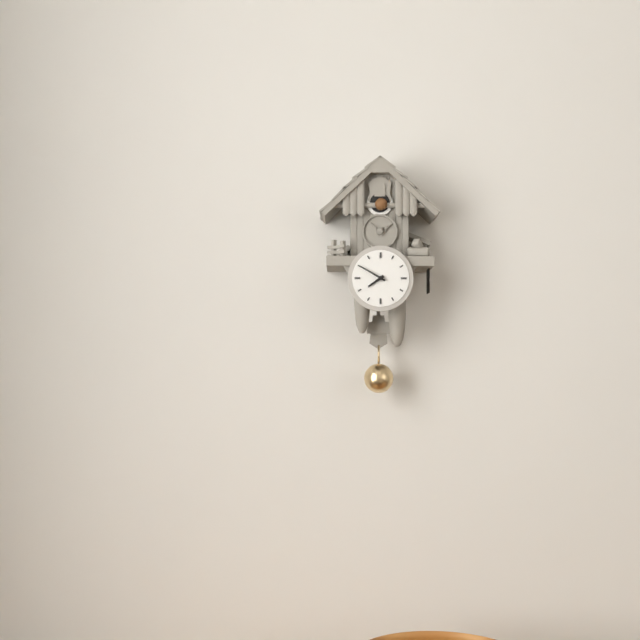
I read 7,50
